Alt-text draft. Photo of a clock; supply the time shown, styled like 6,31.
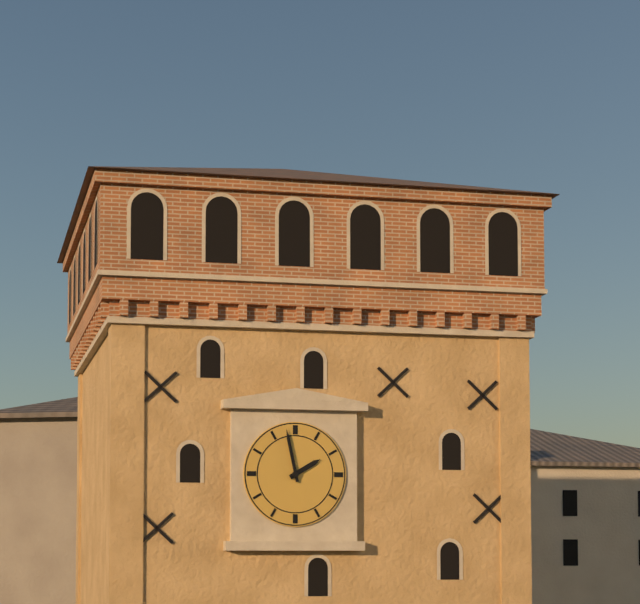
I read 1,58
